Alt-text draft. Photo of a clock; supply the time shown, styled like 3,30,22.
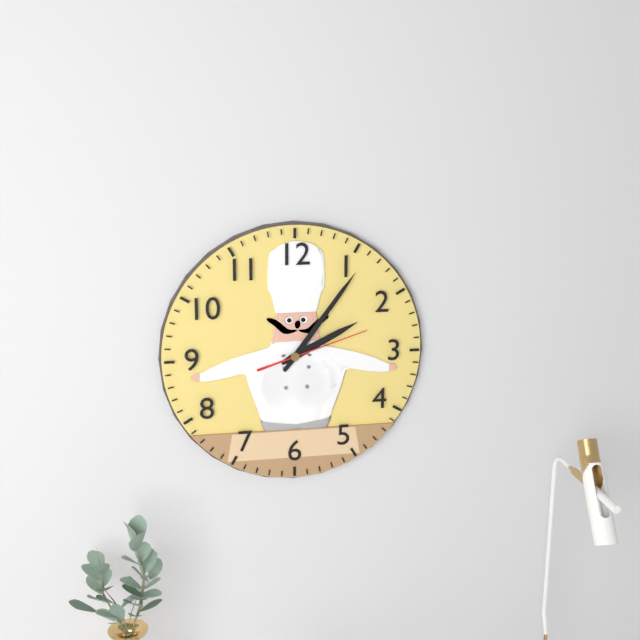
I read 2,06,12
